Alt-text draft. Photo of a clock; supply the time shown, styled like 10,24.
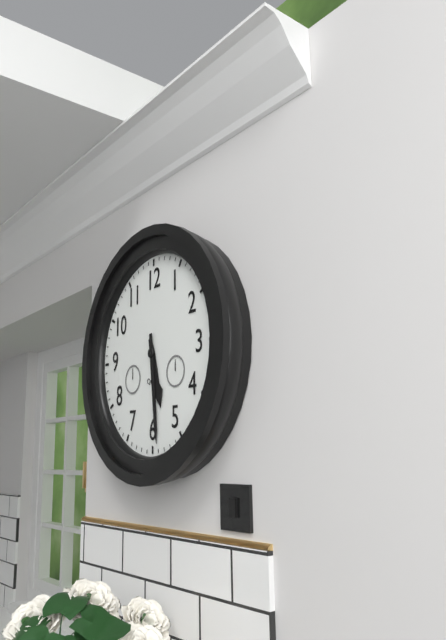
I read 5,29
